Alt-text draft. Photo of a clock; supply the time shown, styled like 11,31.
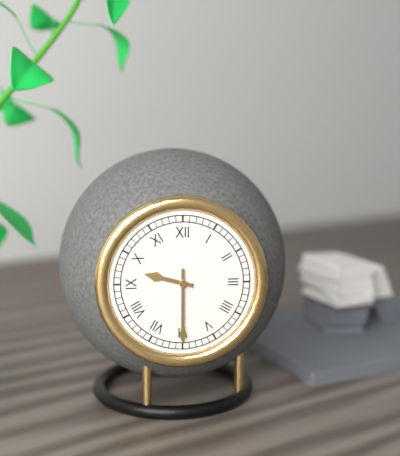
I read 9,30
